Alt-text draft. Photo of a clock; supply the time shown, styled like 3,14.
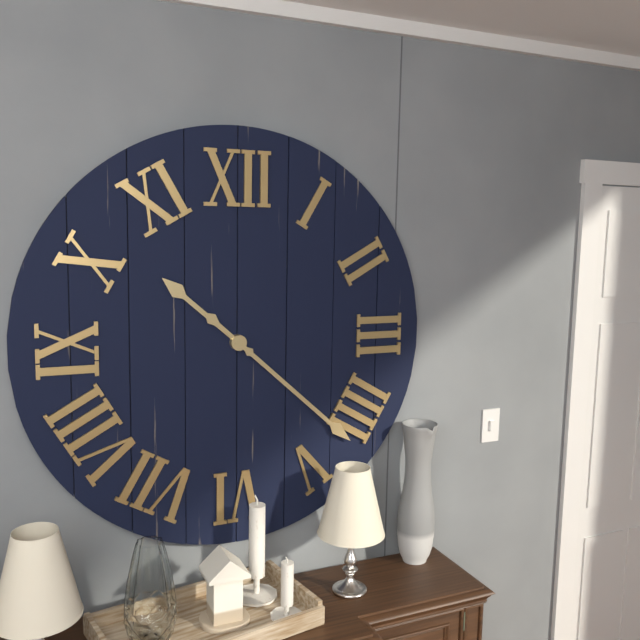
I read 10,22
